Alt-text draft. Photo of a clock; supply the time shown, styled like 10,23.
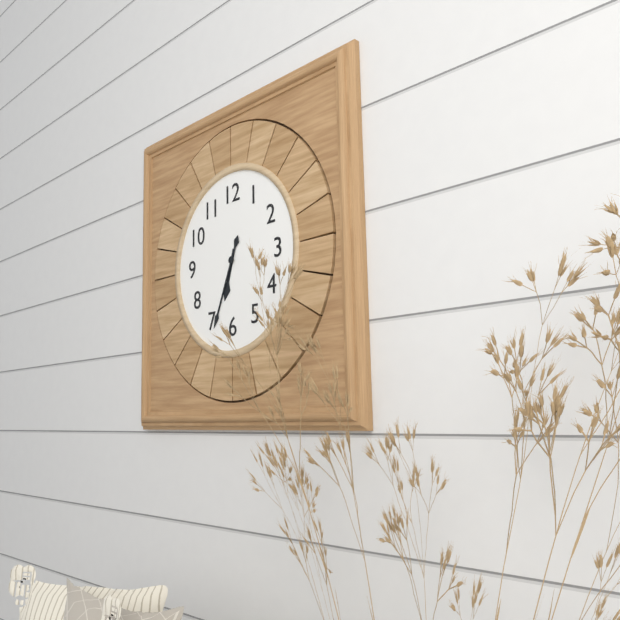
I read 6,34
